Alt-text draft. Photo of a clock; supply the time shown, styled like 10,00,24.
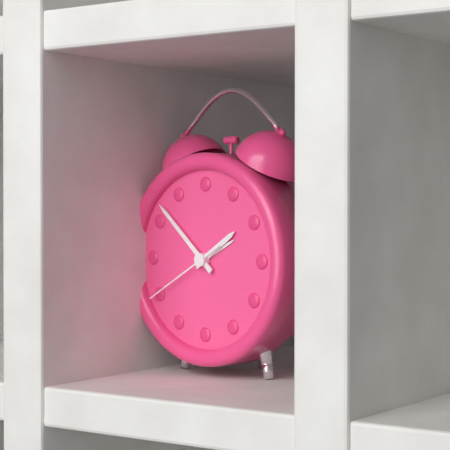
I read 1,52,40
